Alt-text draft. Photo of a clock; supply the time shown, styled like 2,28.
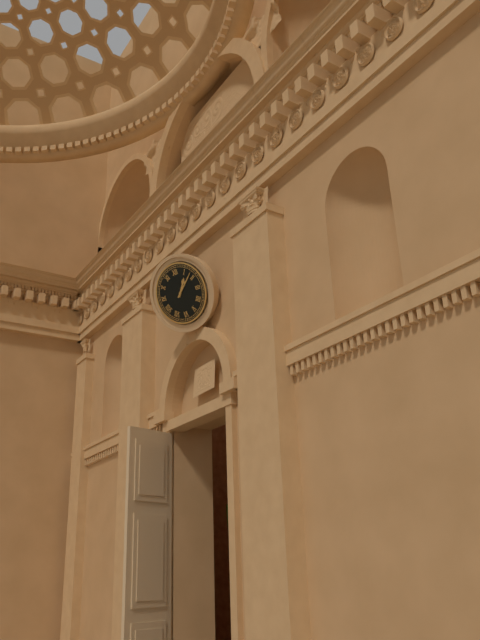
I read 1,08
